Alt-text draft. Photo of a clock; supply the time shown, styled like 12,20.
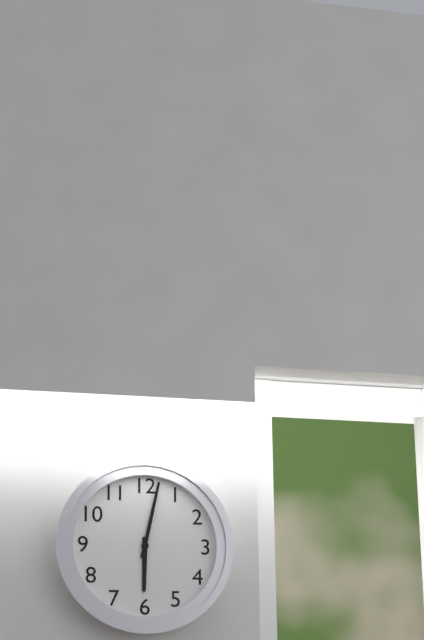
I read 6,02
